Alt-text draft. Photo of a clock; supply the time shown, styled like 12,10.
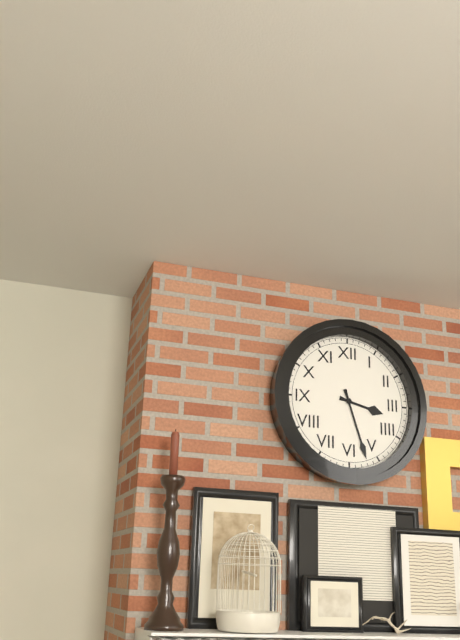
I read 3,27
